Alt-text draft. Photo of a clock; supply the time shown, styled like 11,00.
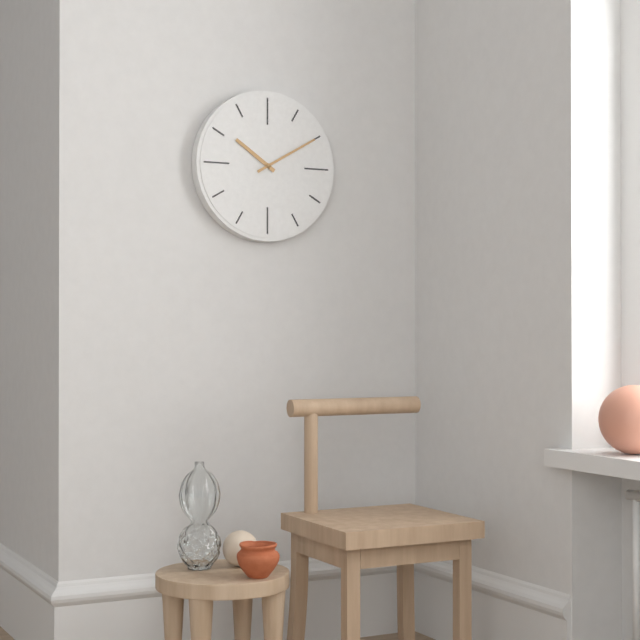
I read 10,10
